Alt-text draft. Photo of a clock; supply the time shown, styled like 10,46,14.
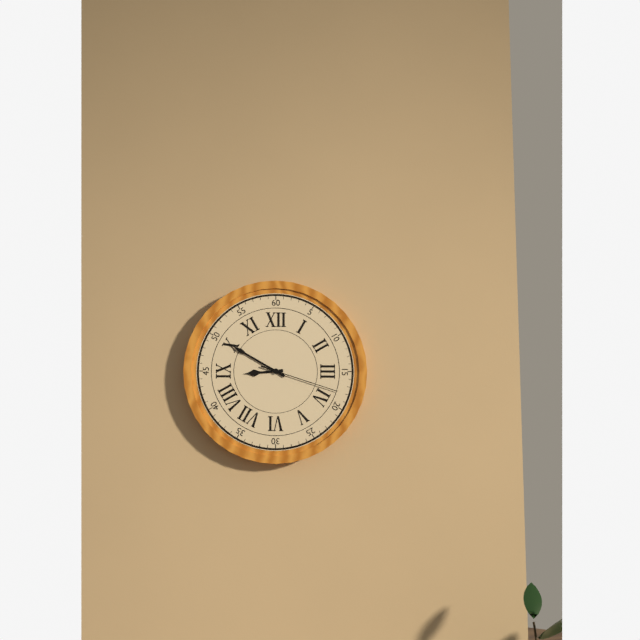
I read 8,50,18
